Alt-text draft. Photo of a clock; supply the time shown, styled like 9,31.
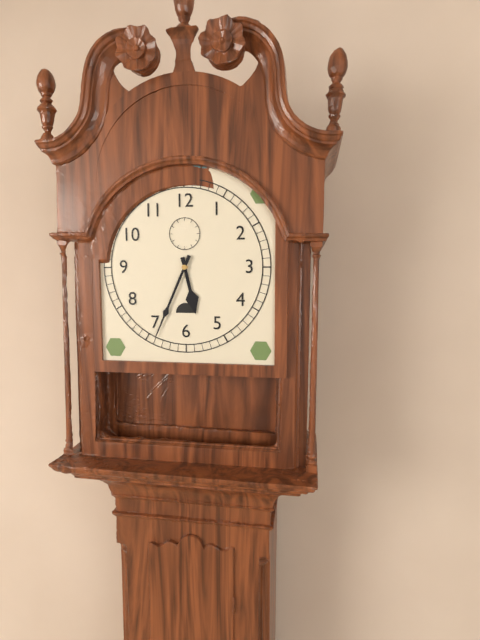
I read 5,34
